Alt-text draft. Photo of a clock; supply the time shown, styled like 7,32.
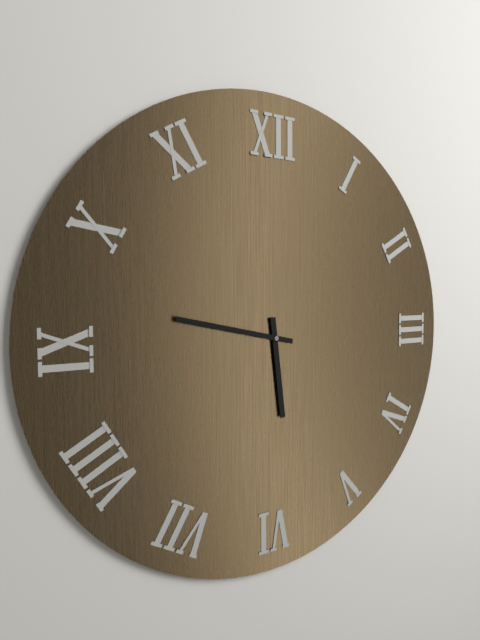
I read 5,47
